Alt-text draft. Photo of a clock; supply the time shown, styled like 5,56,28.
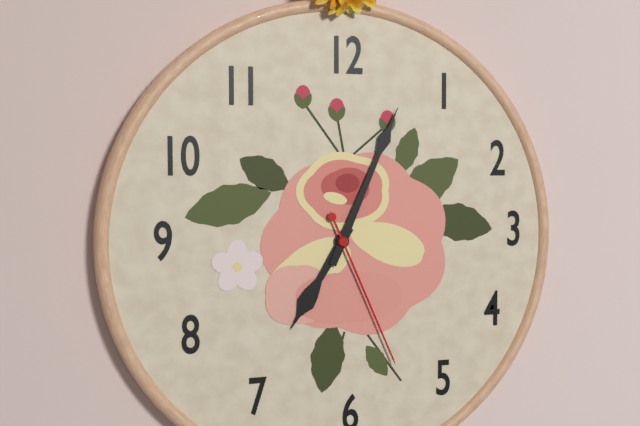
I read 7,04,26
